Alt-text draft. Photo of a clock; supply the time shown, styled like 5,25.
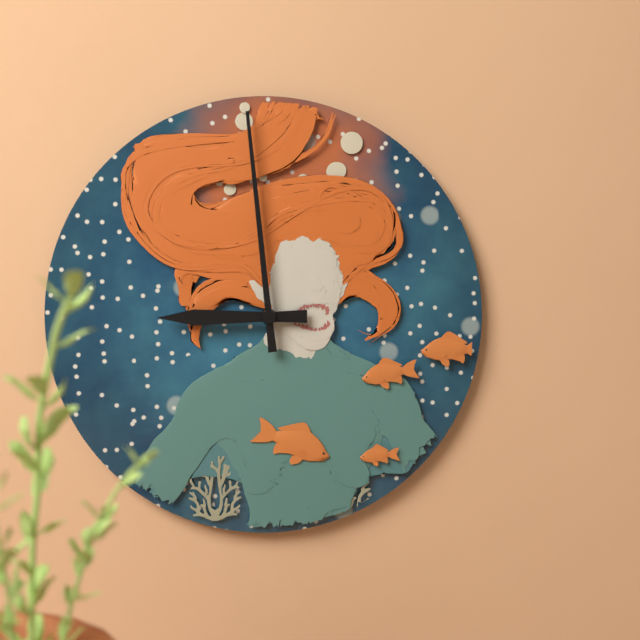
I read 8,59
